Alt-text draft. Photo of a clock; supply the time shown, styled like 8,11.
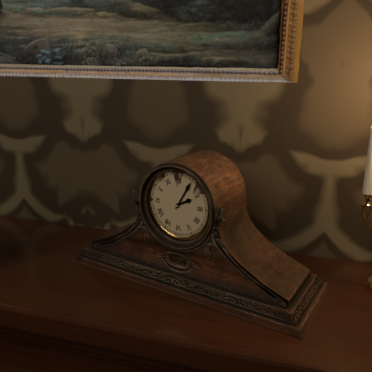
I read 2,05
